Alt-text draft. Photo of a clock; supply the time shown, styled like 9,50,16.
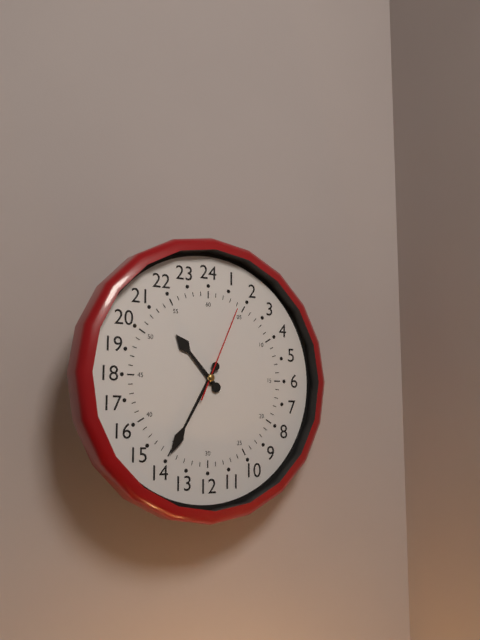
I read 10,35,04
